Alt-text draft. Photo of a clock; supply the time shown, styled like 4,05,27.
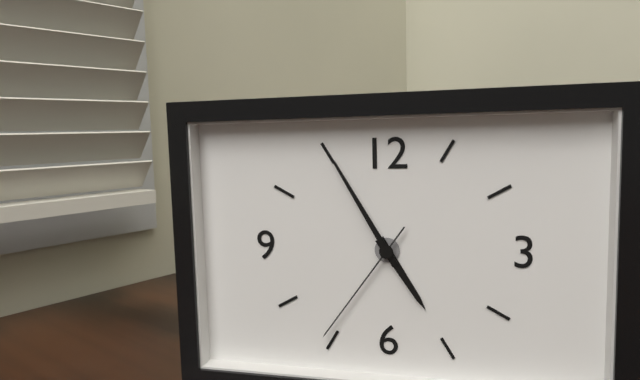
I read 4,55,36
